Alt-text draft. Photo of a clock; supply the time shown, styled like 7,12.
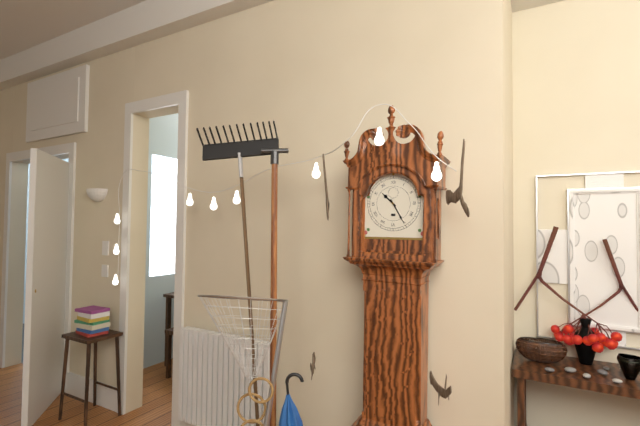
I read 10,25
